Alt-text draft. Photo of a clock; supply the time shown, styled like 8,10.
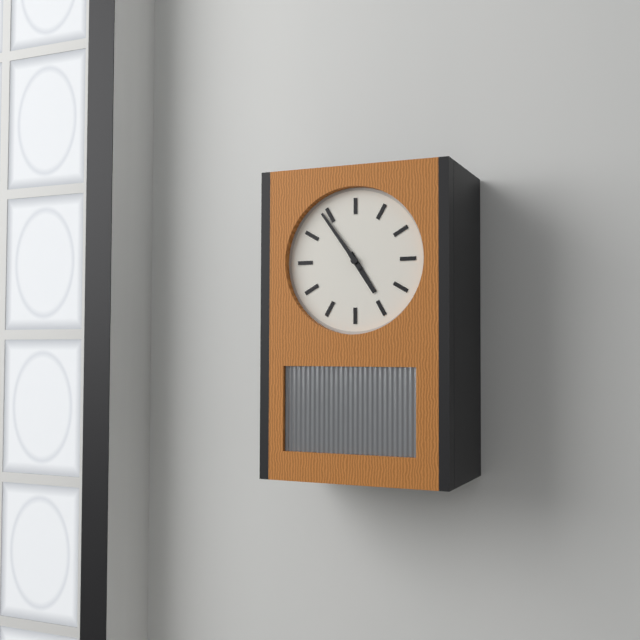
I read 4,54
